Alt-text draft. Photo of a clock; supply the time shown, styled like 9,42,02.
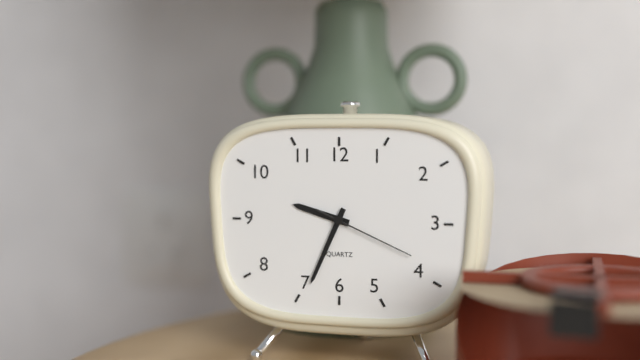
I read 9,34,19
